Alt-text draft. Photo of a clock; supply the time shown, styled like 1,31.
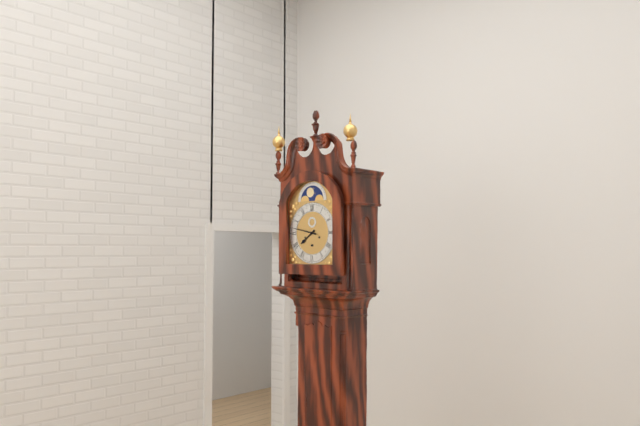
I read 7,47
